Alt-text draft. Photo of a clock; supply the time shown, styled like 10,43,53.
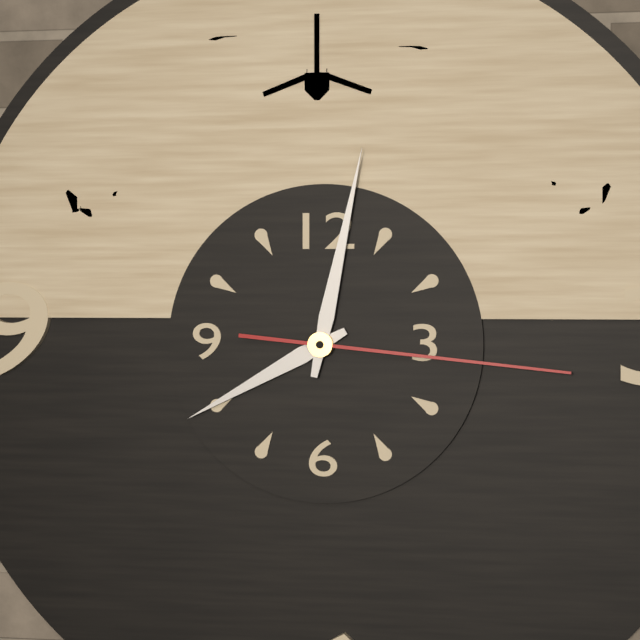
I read 8,02,16
